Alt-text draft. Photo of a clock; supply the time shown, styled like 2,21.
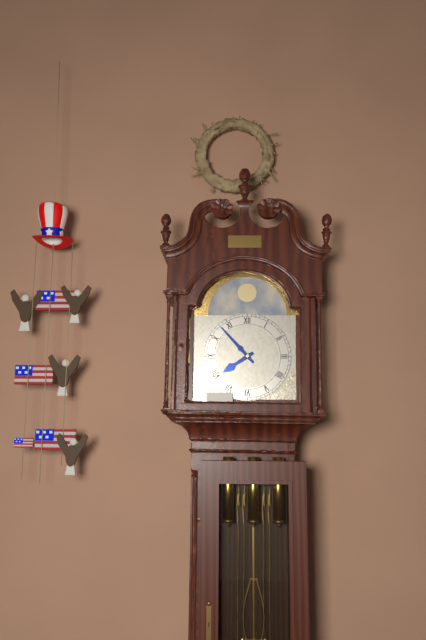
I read 7,53
